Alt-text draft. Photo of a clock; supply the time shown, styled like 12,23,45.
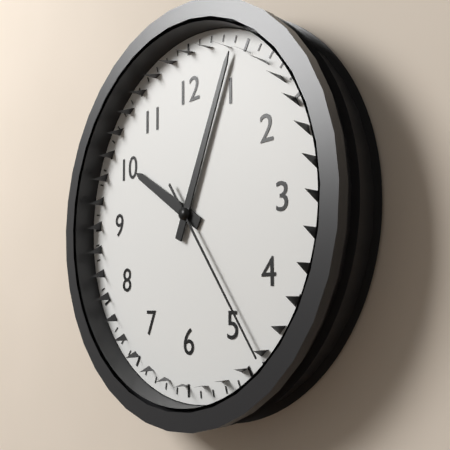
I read 10,04,24
